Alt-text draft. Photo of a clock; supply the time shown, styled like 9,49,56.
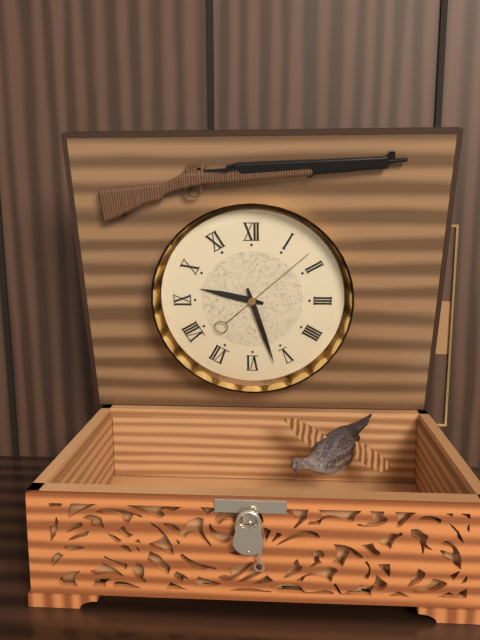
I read 9,27,08
